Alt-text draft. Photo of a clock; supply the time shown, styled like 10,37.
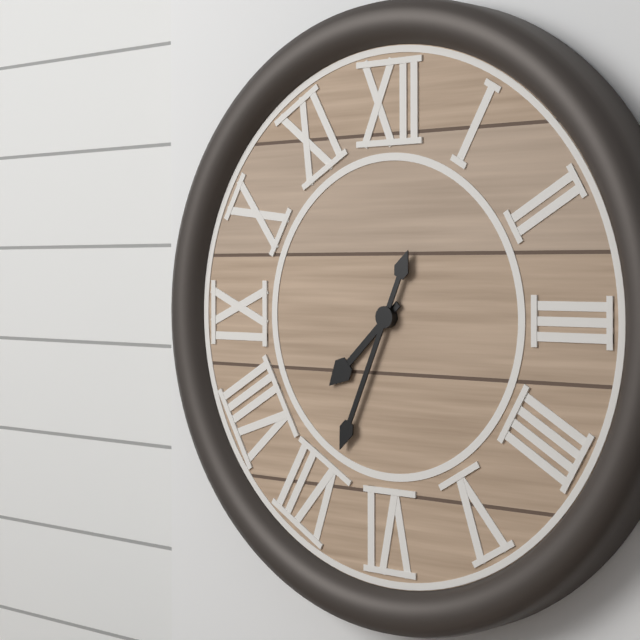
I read 7,34
